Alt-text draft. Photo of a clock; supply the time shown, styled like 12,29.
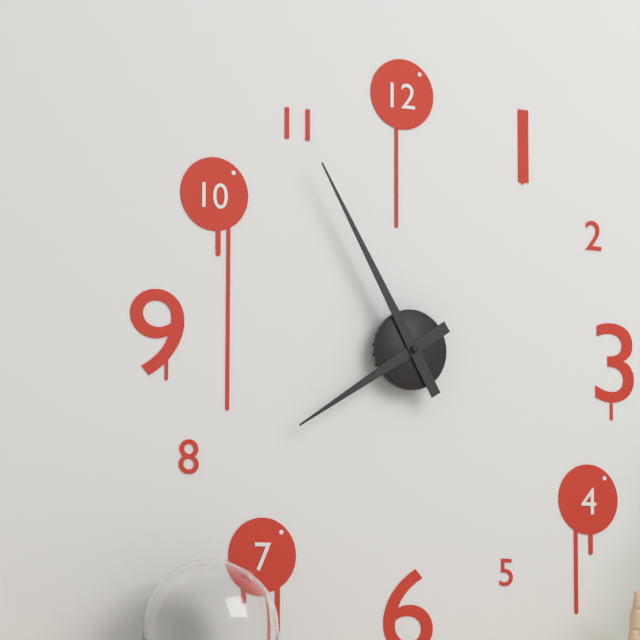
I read 7,55
